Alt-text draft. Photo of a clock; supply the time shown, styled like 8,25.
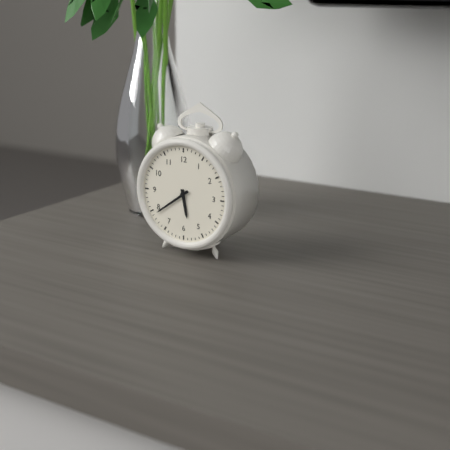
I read 5,39
